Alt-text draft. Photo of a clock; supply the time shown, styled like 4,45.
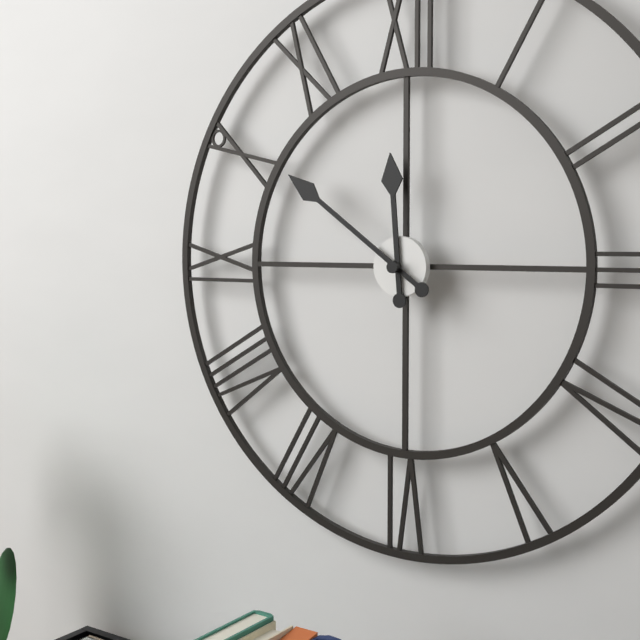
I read 11,51
